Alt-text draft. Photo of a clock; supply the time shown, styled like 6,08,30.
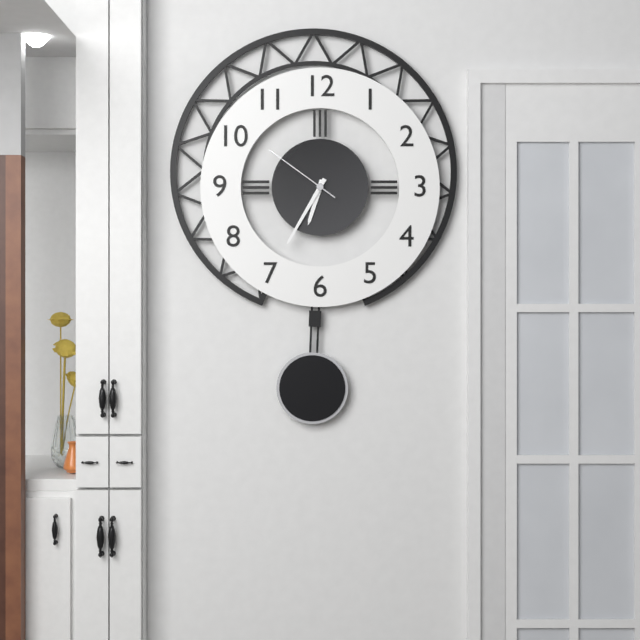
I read 6,35,51
